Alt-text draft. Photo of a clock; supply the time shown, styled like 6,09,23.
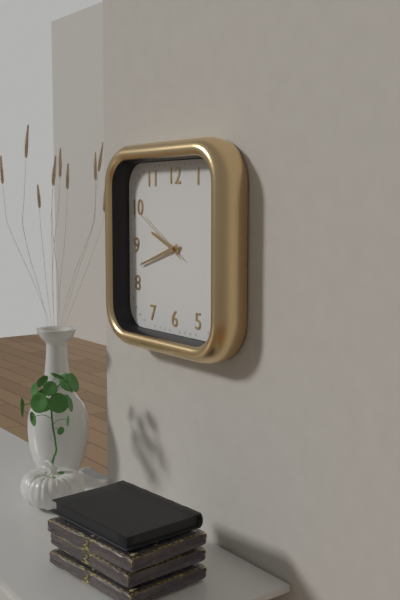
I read 9,42,50
